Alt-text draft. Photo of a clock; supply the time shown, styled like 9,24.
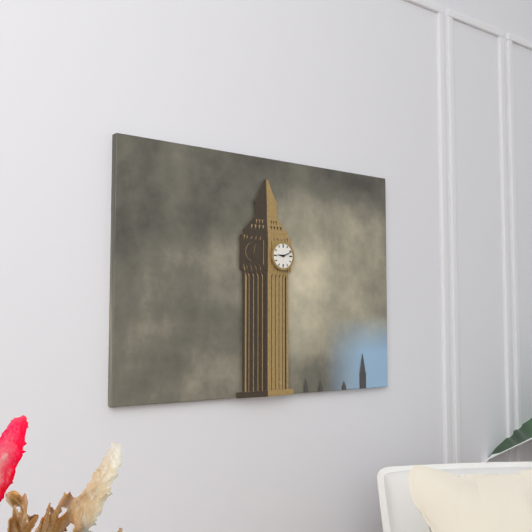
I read 9,11
